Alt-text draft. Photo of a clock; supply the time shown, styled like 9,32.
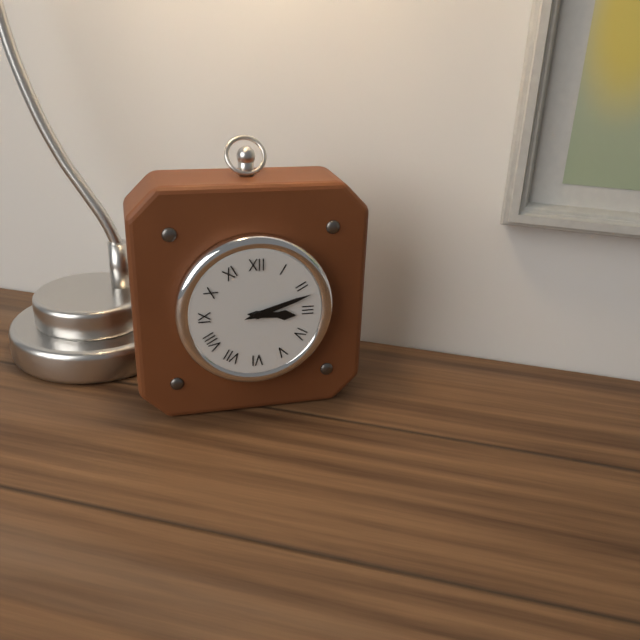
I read 3,12
